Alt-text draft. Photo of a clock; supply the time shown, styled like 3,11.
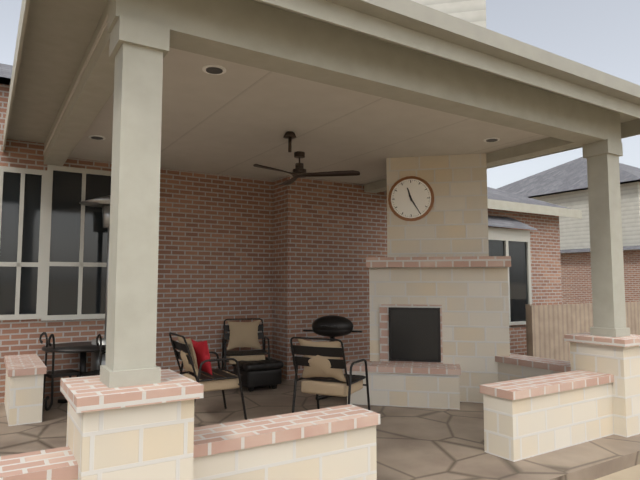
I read 11,25
